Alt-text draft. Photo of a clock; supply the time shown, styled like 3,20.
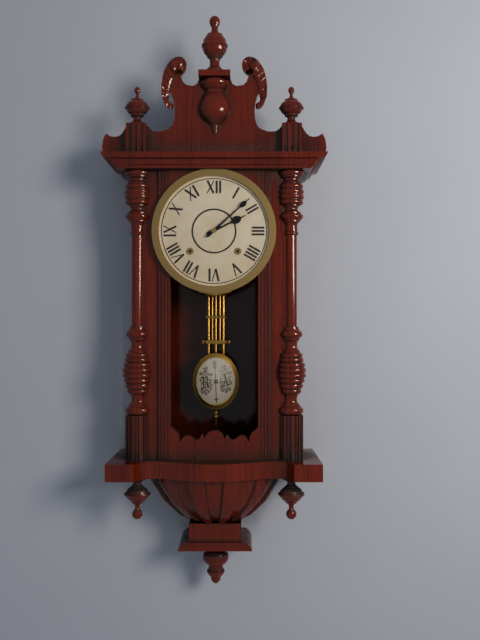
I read 2,08
